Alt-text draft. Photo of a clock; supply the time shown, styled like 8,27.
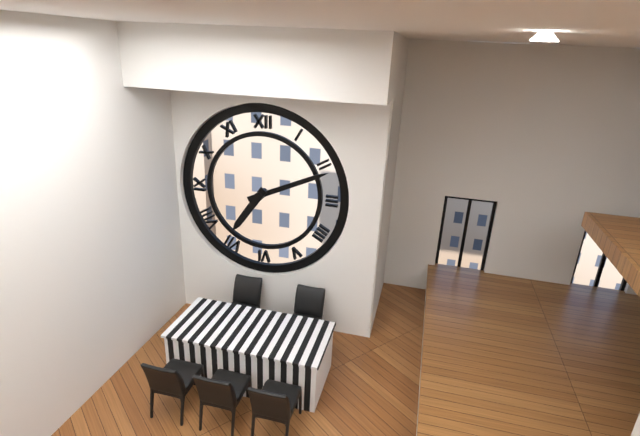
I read 7,11
